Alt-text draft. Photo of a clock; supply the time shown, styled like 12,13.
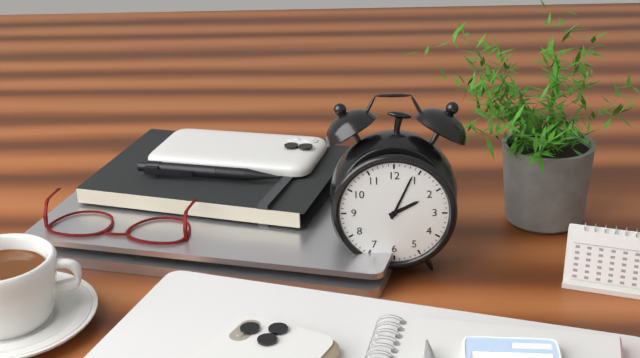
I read 2,04
